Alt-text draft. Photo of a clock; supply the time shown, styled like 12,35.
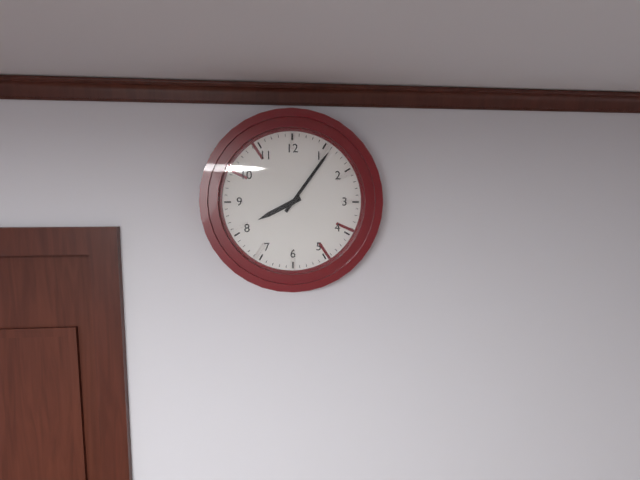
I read 8,06
